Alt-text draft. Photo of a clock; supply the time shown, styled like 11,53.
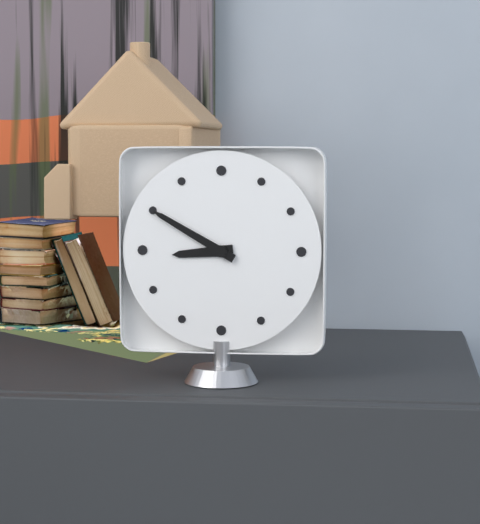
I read 8,50
